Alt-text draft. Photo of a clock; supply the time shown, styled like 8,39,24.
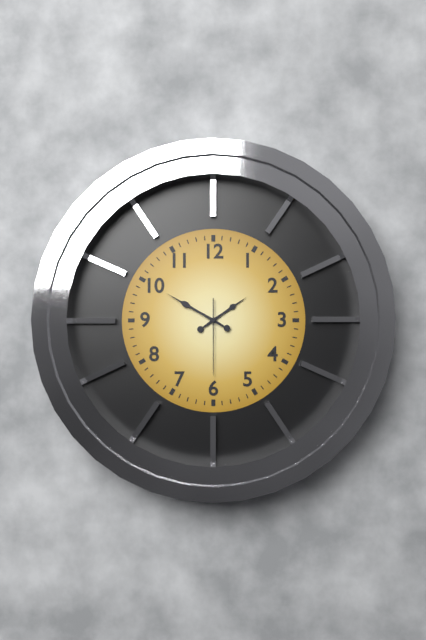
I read 1,50,30
